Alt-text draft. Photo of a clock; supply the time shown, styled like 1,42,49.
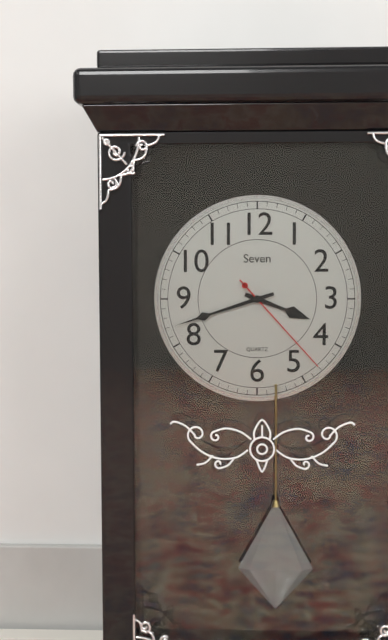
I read 3,42,23
